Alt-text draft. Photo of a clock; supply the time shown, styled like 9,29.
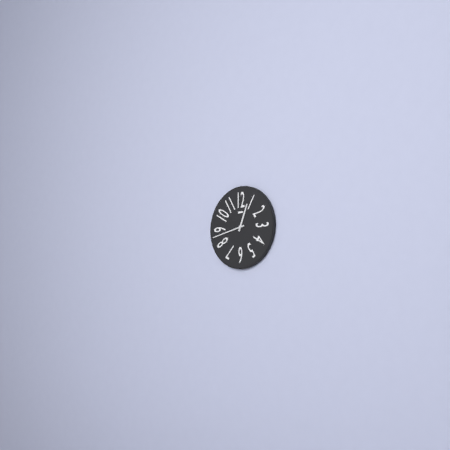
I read 12,43
